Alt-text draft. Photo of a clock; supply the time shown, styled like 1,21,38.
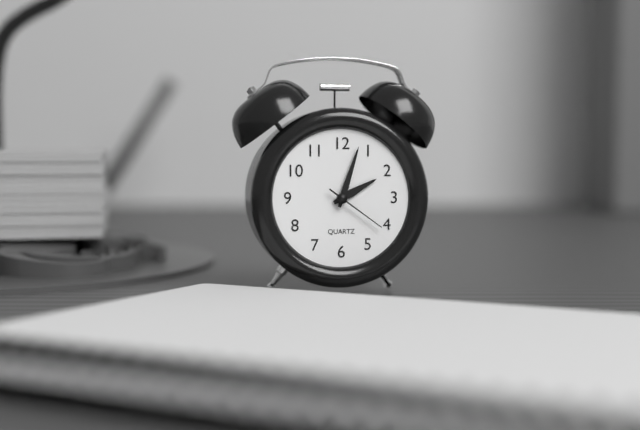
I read 2,03,21
